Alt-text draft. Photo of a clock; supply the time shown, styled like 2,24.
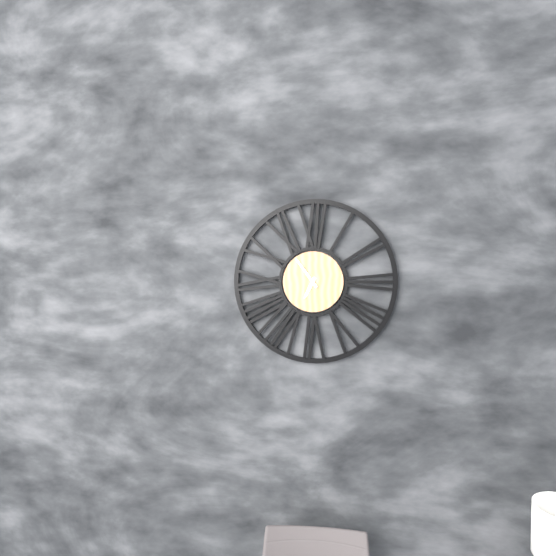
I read 6,54
